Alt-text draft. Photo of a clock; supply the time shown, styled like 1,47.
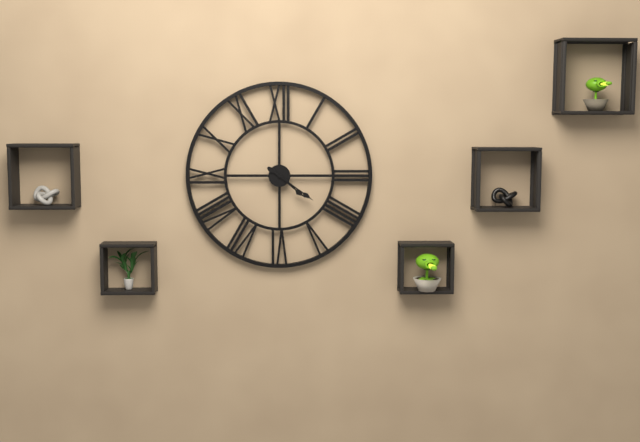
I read 4,21
